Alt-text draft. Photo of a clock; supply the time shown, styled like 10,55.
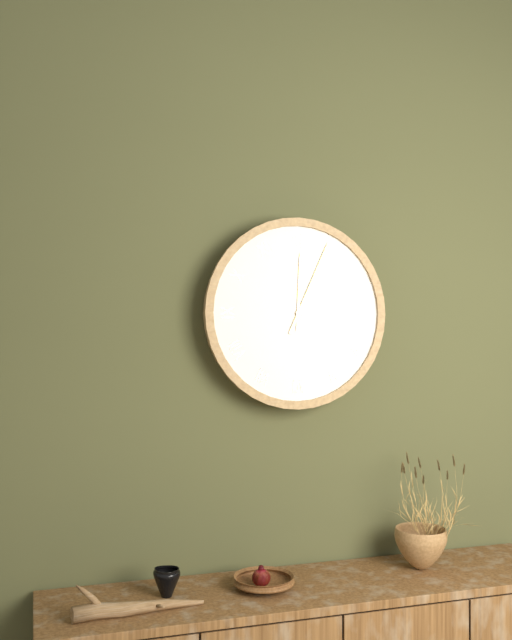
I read 12,04
